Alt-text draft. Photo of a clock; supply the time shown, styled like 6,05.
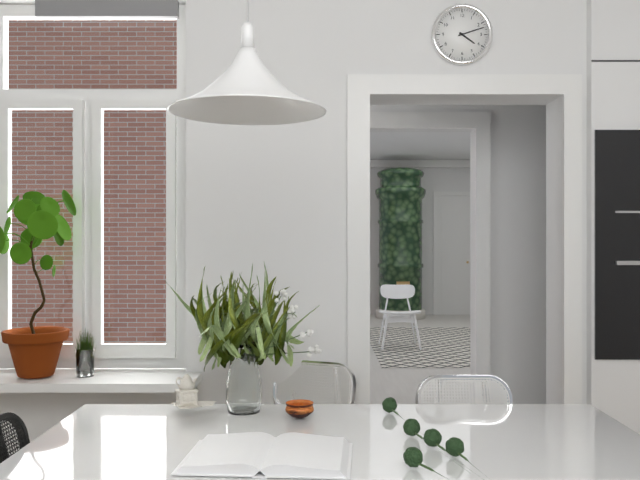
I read 4,12
